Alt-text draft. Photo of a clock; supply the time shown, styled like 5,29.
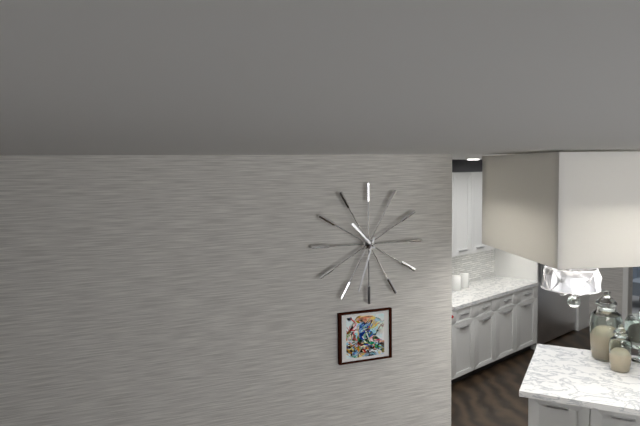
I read 10,33
